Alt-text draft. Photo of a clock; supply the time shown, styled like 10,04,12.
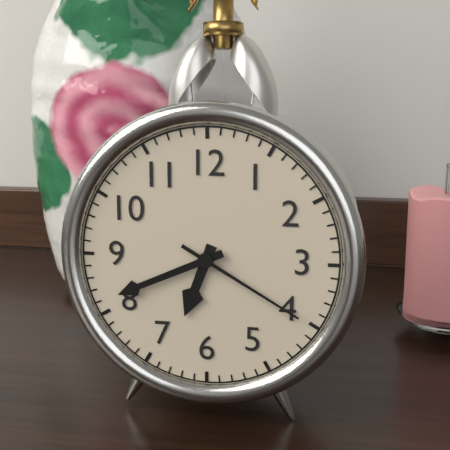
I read 6,41,20
